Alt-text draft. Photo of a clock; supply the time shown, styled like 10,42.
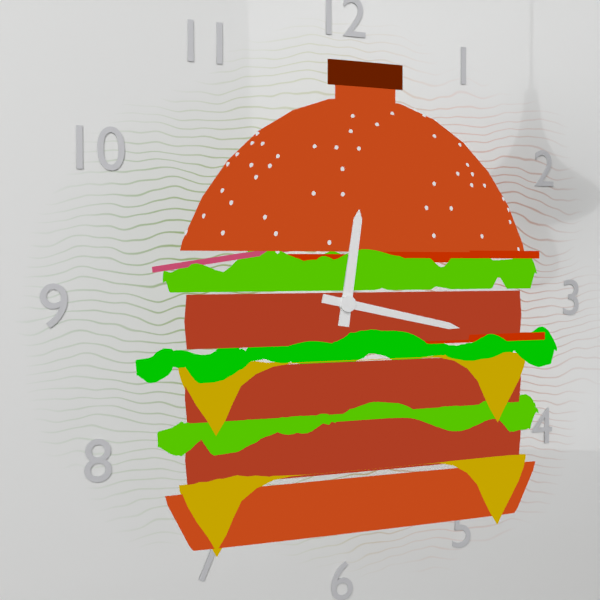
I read 12,17
